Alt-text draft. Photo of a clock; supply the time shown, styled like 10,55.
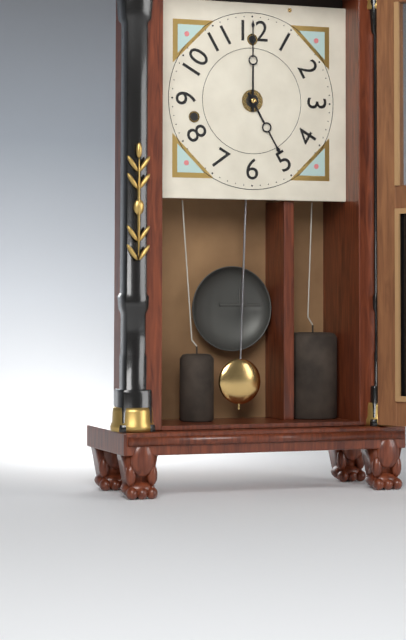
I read 5,00
